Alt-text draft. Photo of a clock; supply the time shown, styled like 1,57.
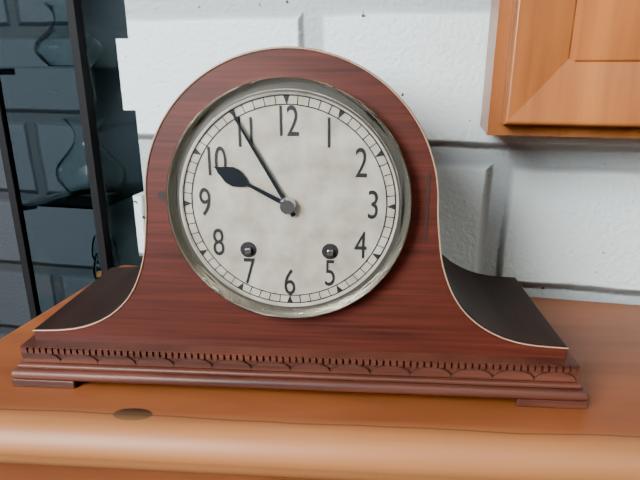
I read 9,55
